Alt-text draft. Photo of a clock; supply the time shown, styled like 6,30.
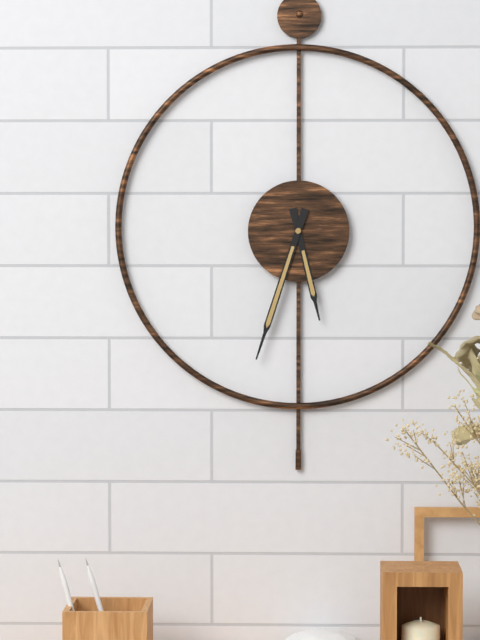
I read 5,33
